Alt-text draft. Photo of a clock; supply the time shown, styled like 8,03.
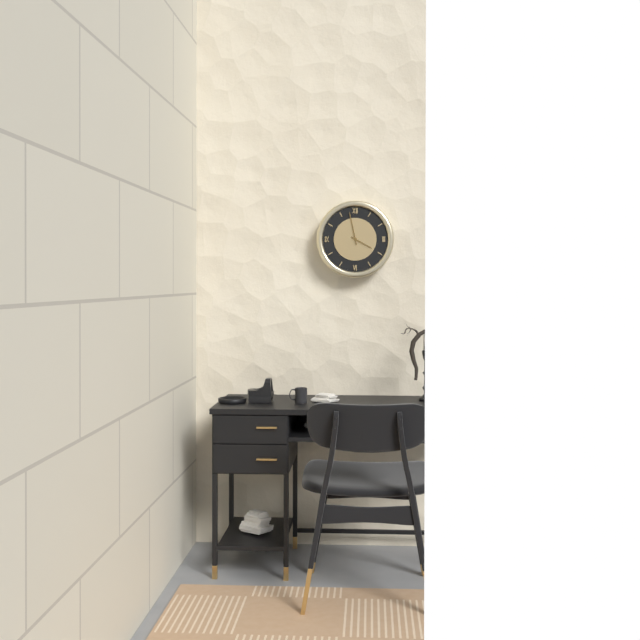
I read 3,58
